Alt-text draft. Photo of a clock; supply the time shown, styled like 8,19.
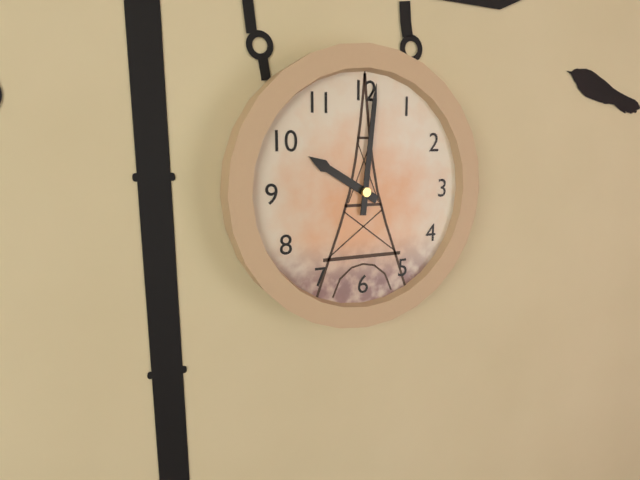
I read 10,01
